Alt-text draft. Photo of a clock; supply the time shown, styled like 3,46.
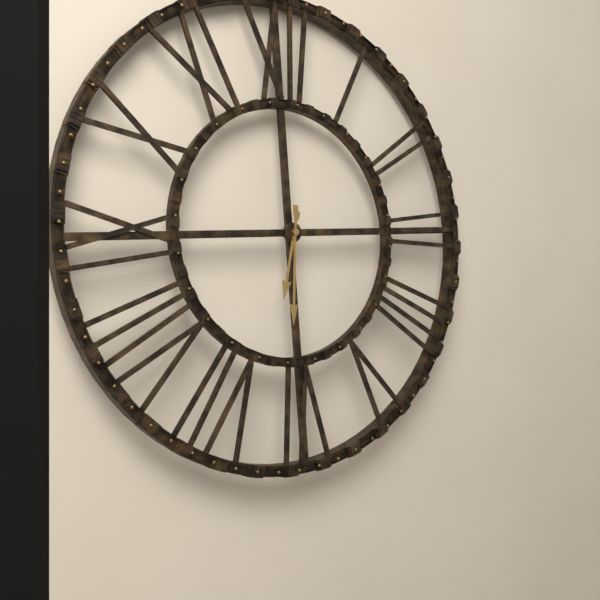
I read 6,31
